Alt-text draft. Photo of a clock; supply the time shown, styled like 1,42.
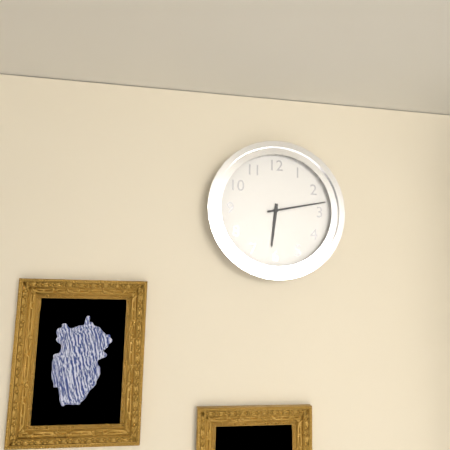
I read 6,13
